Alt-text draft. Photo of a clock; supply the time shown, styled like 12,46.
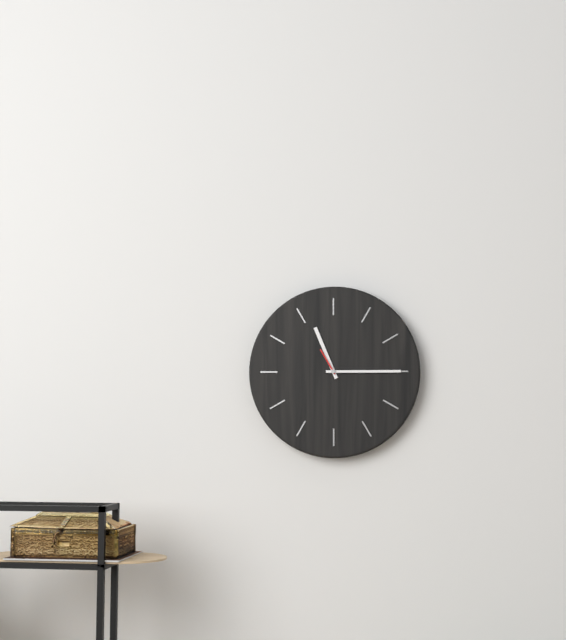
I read 11,15
